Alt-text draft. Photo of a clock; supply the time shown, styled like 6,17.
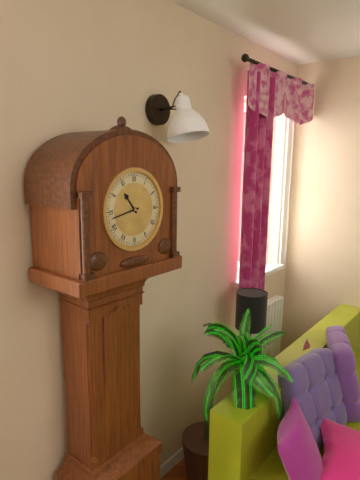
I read 10,43
